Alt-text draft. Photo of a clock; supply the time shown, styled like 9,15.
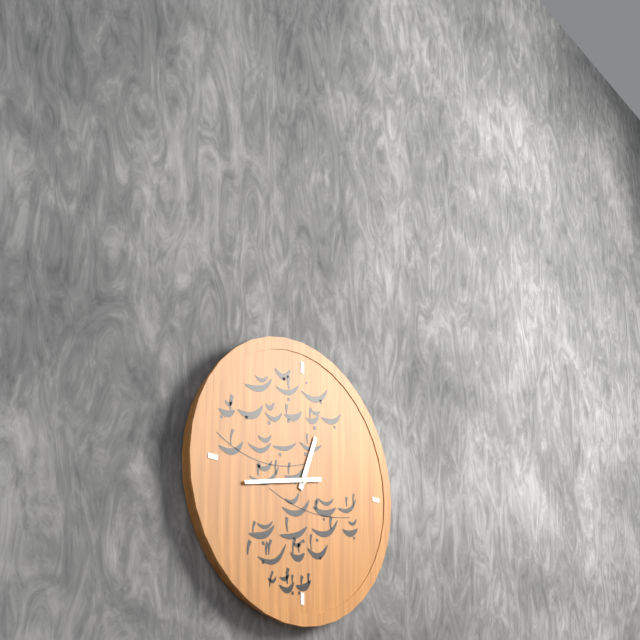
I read 12,43
